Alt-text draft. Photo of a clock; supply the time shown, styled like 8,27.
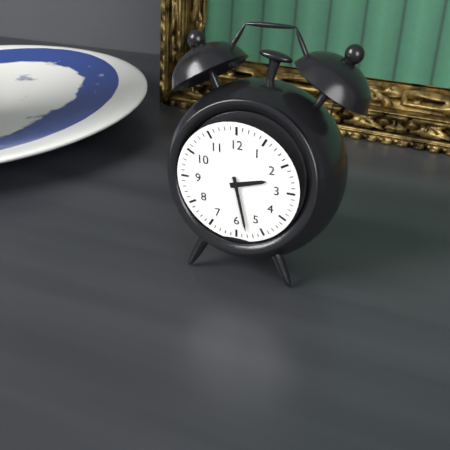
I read 2,28
